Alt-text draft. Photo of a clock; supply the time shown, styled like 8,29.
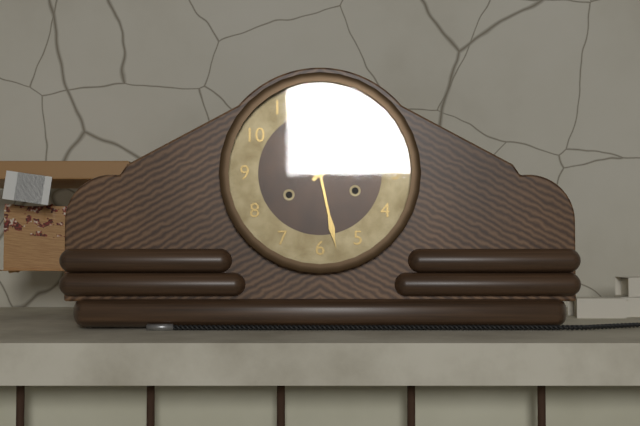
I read 1,28
